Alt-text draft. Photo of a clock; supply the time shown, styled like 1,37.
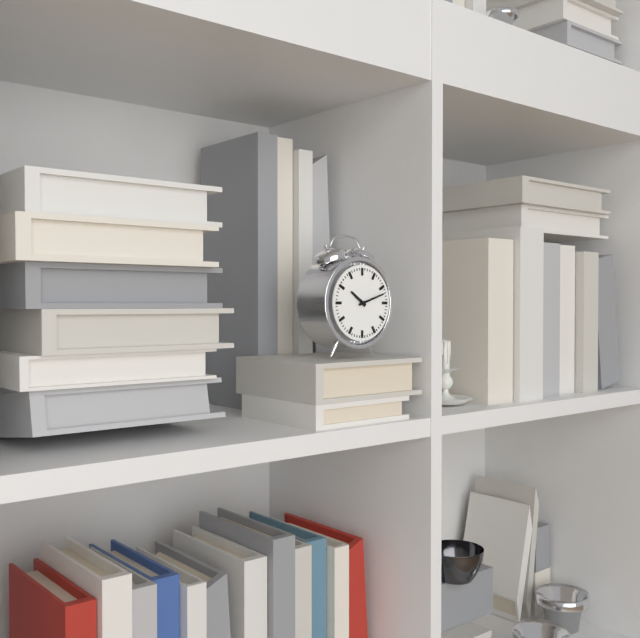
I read 10,12
